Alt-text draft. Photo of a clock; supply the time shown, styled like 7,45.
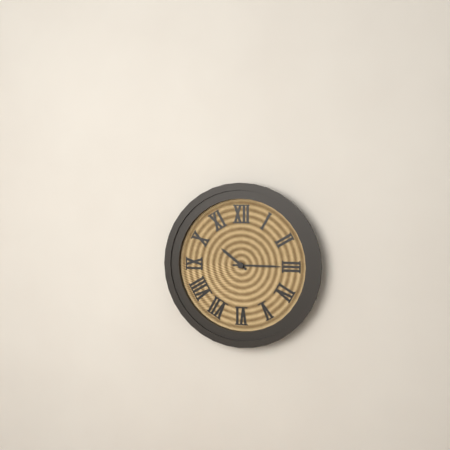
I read 10,15
